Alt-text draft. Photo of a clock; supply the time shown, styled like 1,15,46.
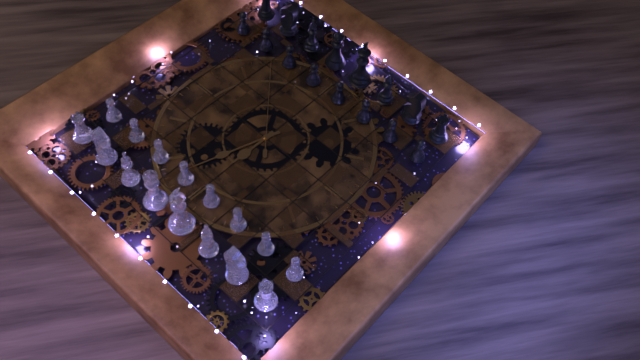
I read 12,03,23
